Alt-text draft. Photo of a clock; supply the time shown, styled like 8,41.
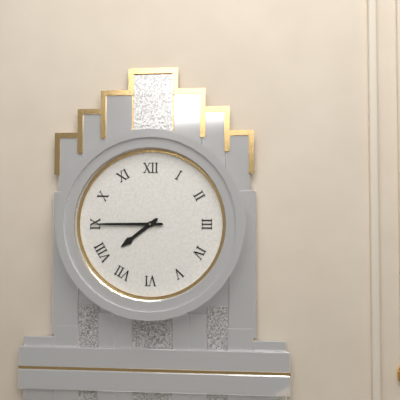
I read 7,45
